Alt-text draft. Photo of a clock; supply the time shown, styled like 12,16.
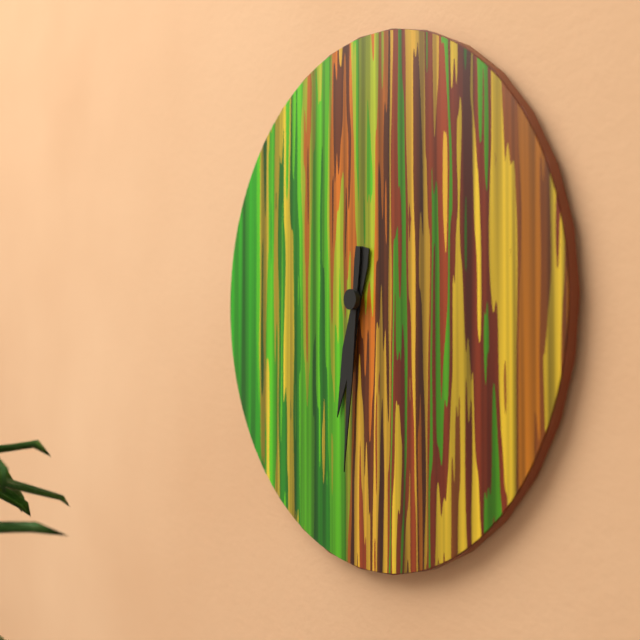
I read 6,31
